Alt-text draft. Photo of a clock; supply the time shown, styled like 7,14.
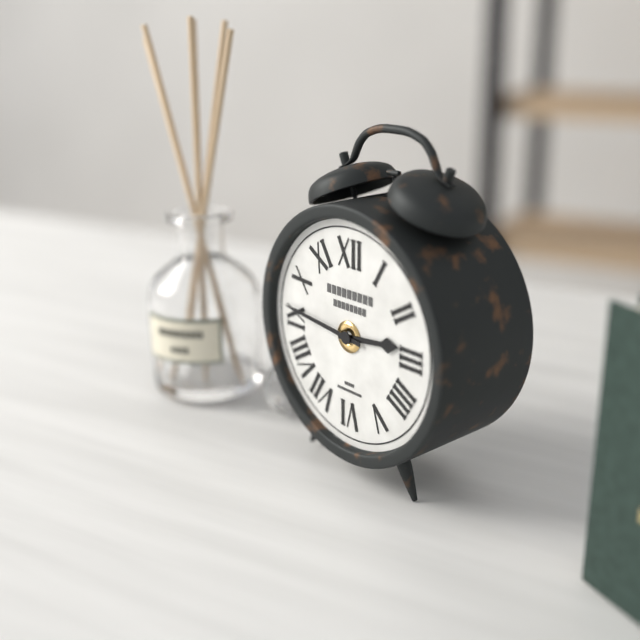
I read 2,46
